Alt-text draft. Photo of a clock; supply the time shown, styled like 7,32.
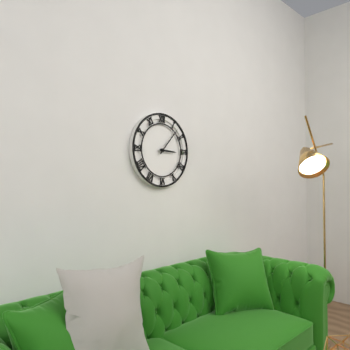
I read 3,07
